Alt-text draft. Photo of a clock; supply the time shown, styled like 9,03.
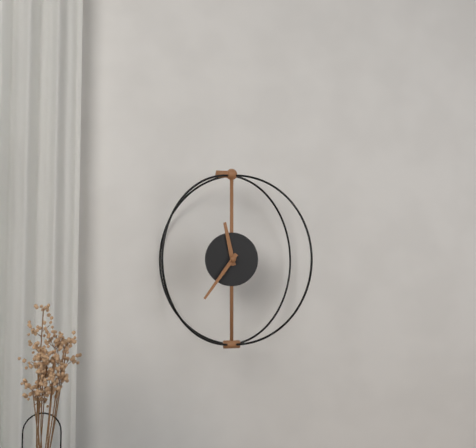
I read 11,36
